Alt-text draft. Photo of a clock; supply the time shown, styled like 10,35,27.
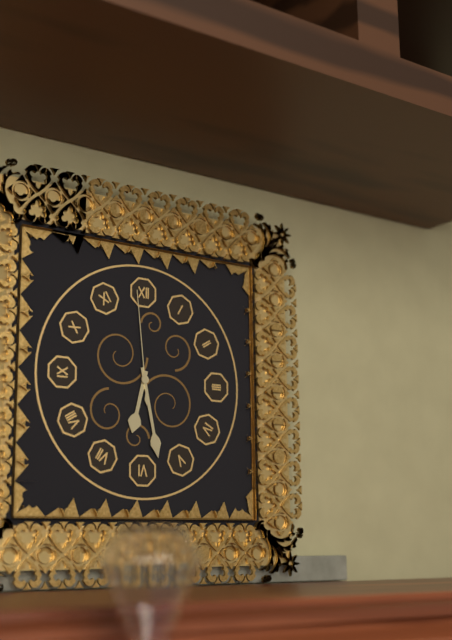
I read 6,28,59
